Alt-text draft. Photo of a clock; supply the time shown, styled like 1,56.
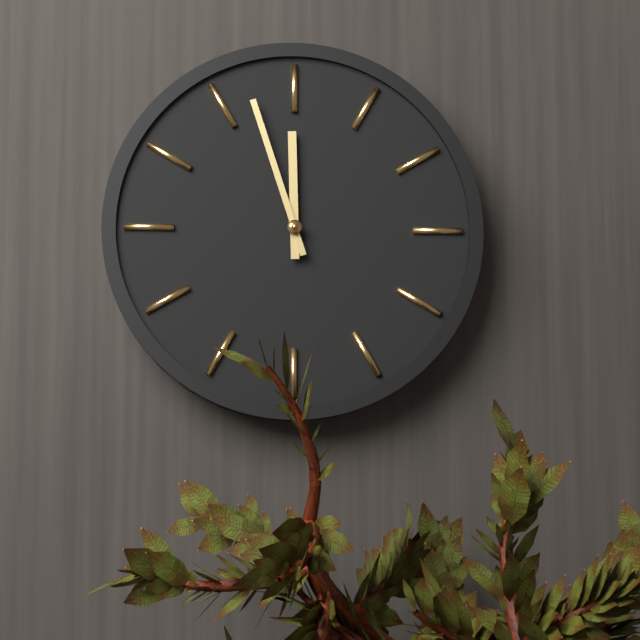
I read 11,57
